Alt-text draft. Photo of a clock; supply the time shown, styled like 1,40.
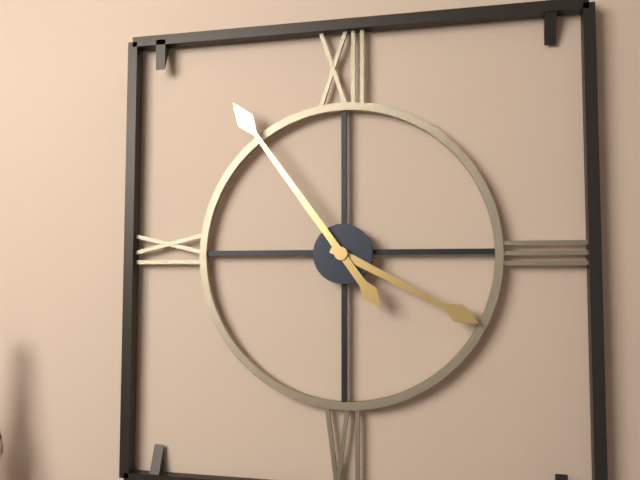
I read 3,54
